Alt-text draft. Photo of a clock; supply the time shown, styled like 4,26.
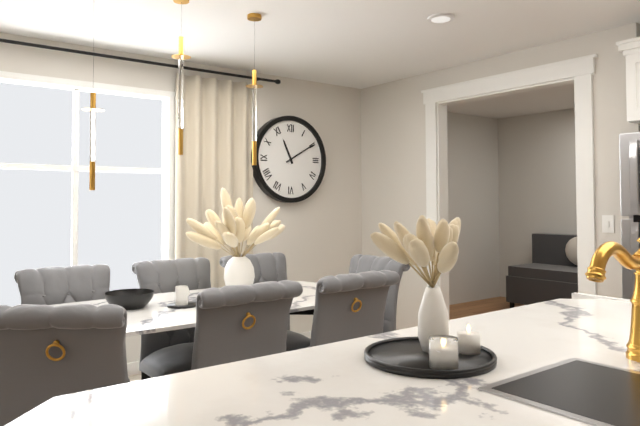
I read 11,10
